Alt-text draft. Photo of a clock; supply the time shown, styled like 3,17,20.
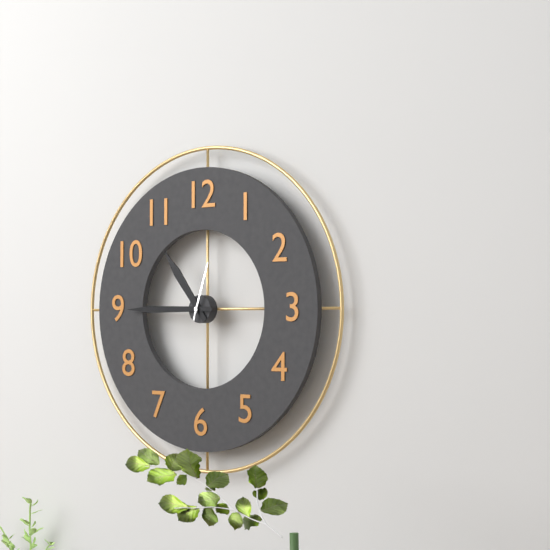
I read 10,45,03
